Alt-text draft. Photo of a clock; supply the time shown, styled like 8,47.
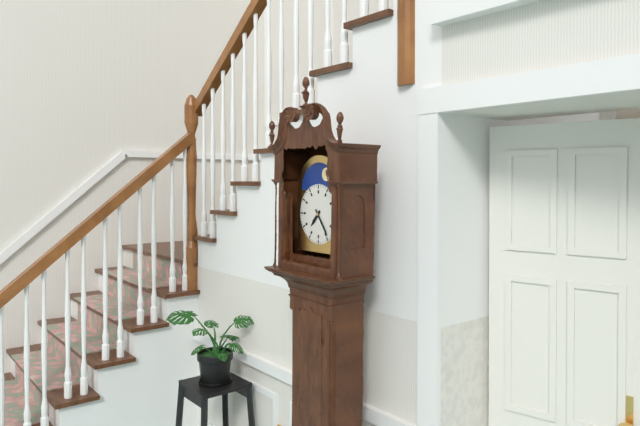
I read 7,24
